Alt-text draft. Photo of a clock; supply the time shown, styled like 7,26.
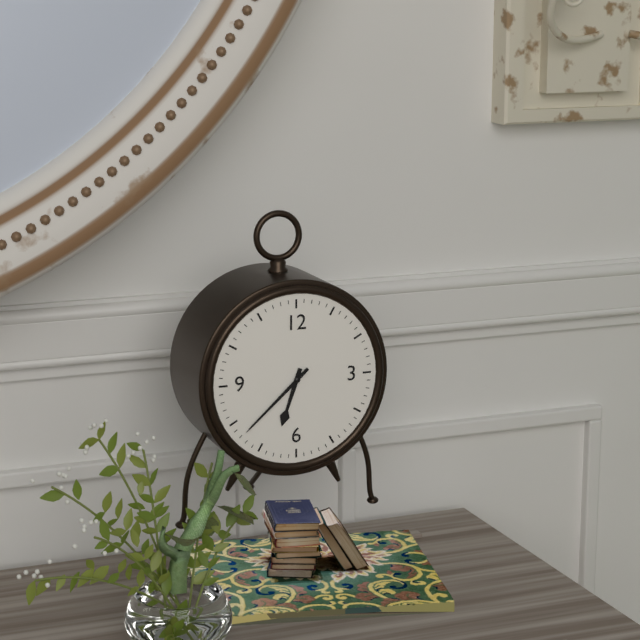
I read 6,38
